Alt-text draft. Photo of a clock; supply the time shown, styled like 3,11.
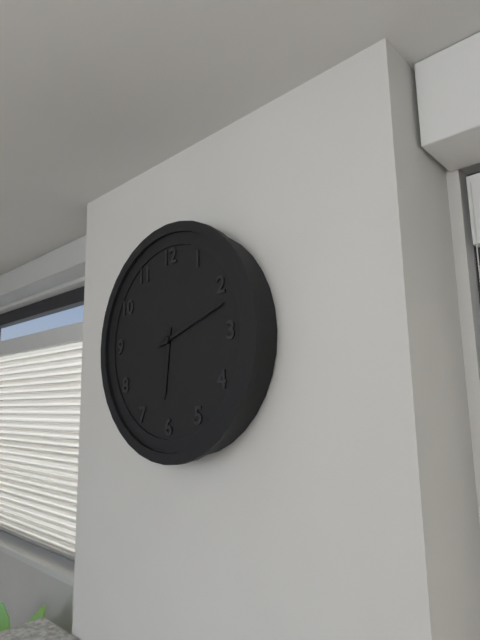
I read 6,12
